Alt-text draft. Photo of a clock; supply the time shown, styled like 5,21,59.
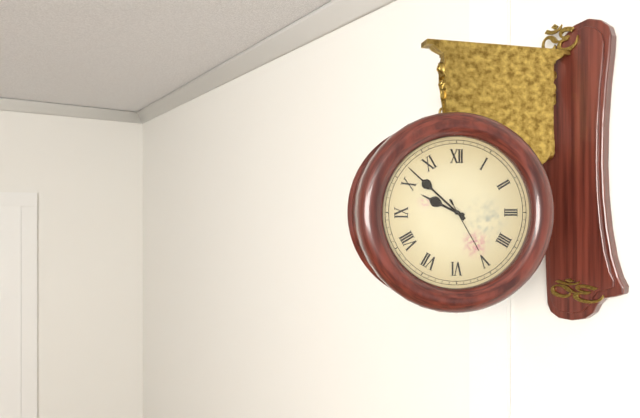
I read 9,52,25
